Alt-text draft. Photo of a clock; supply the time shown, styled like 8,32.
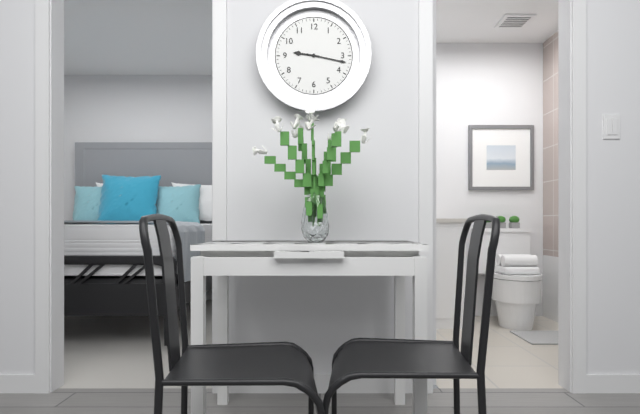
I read 9,17
